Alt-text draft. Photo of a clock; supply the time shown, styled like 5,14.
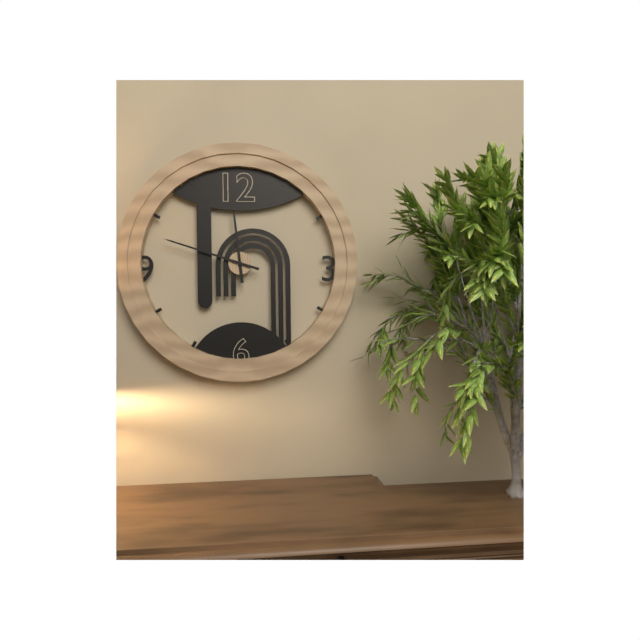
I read 11,48
